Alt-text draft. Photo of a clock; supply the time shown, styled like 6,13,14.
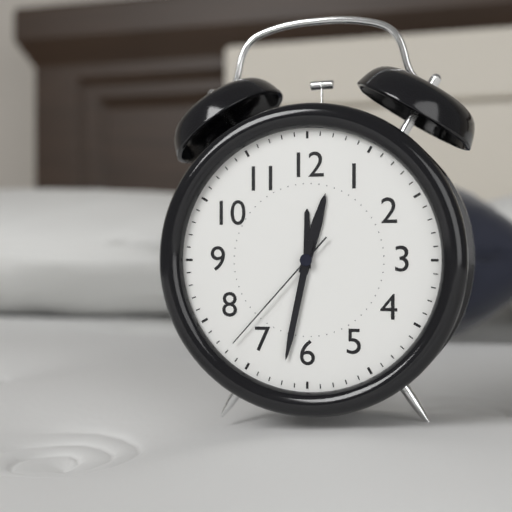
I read 12,32,37
